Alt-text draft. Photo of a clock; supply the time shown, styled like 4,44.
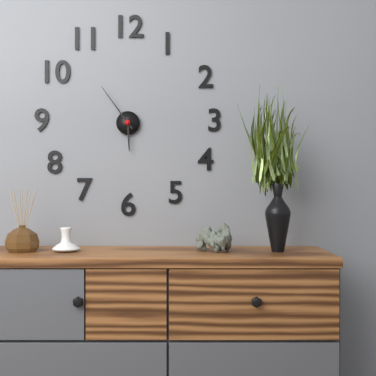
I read 5,54
